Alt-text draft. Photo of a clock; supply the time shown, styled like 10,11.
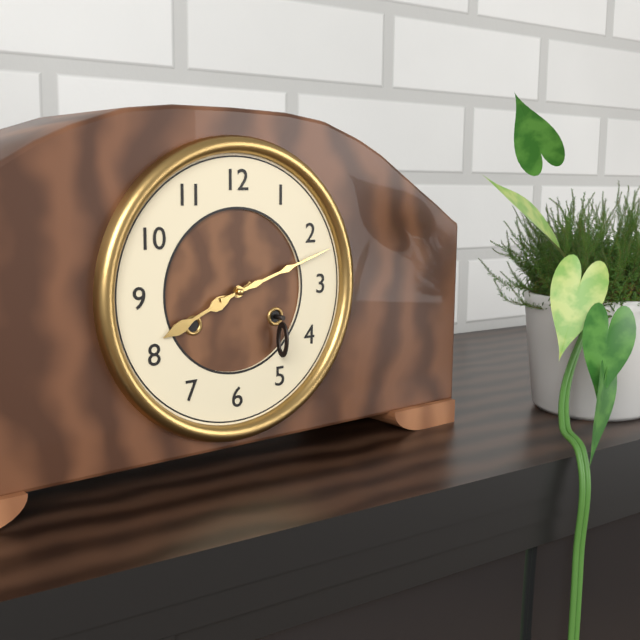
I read 8,12
